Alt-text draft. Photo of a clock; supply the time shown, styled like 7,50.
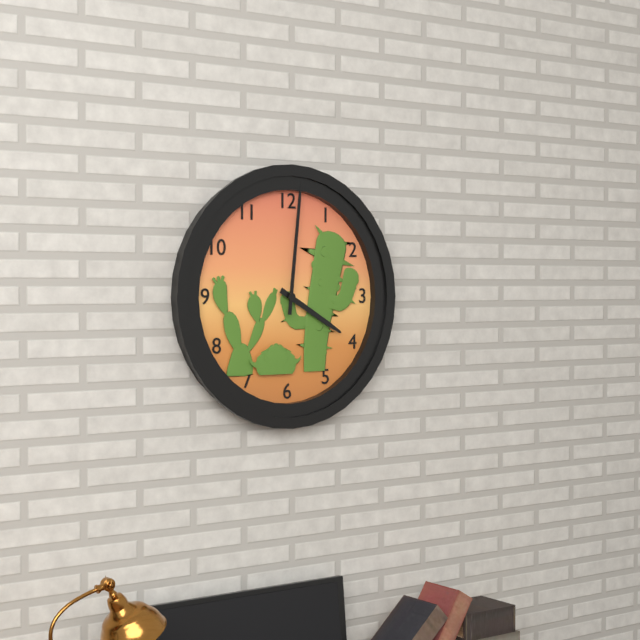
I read 4,01
